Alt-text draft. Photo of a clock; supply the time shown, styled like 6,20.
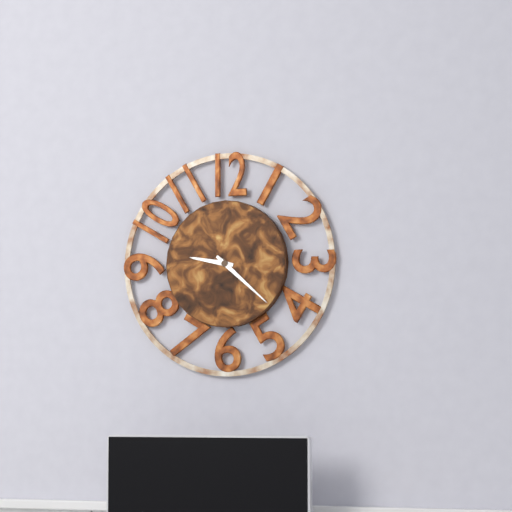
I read 9,22
